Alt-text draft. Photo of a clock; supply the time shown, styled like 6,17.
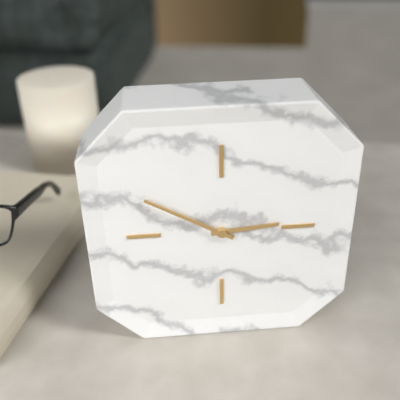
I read 2,50
